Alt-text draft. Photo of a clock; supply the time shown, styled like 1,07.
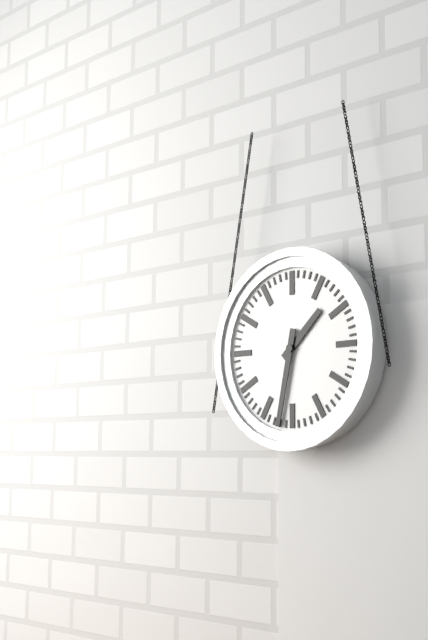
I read 1,32
